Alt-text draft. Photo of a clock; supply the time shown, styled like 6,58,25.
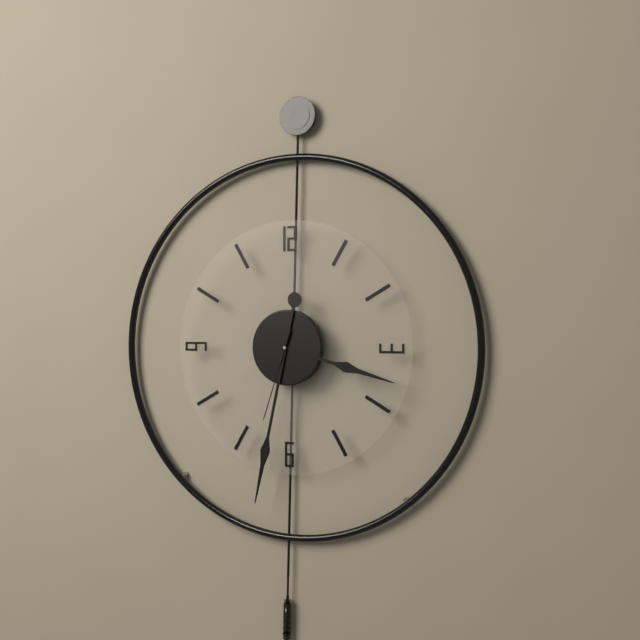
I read 3,32,33
